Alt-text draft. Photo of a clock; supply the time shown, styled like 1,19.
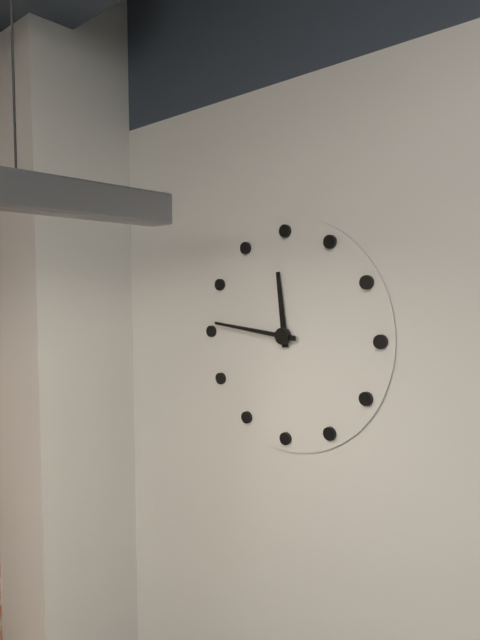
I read 11,46
